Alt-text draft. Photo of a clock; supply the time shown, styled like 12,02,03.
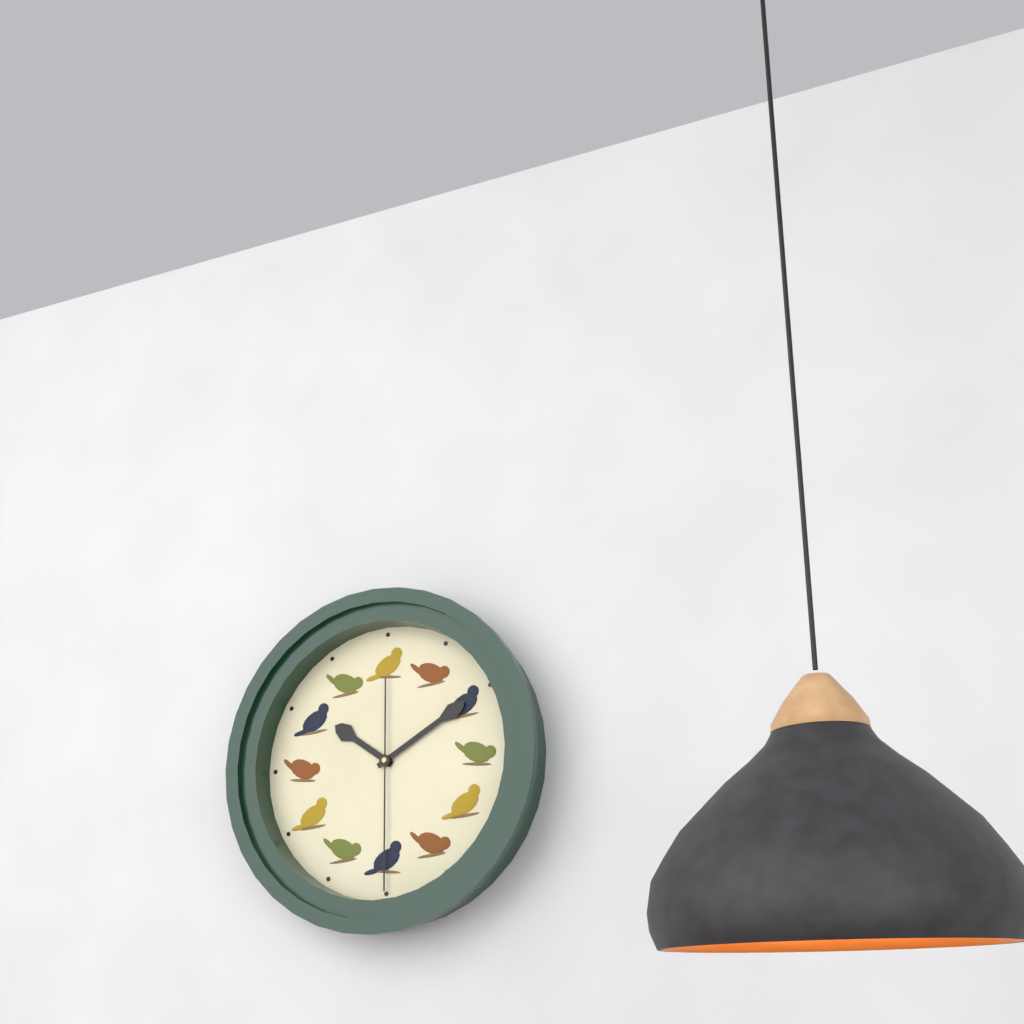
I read 10,10,30
